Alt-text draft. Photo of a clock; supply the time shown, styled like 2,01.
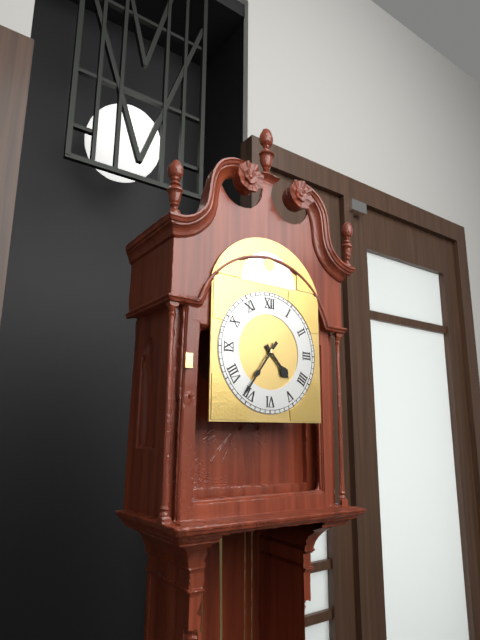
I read 4,36
